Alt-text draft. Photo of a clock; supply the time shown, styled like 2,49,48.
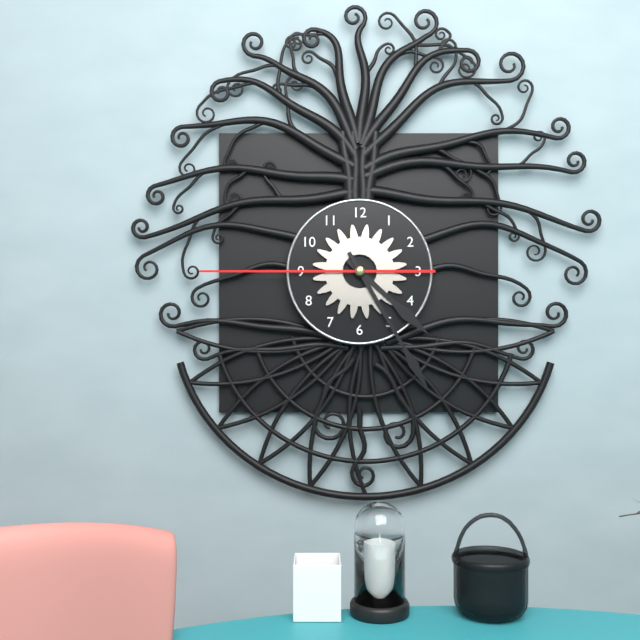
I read 4,25,45
